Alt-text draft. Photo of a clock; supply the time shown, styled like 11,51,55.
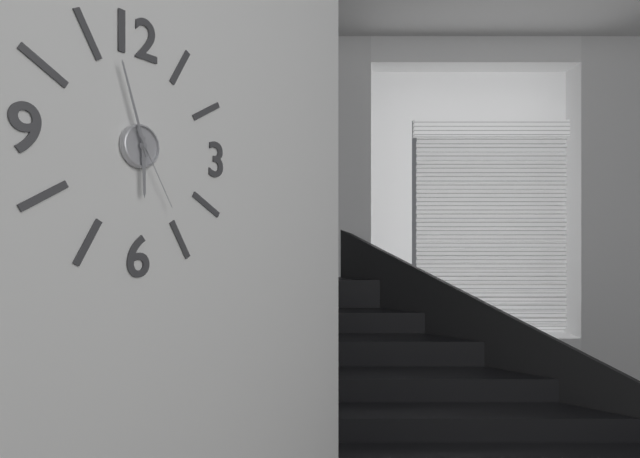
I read 5,57,25
